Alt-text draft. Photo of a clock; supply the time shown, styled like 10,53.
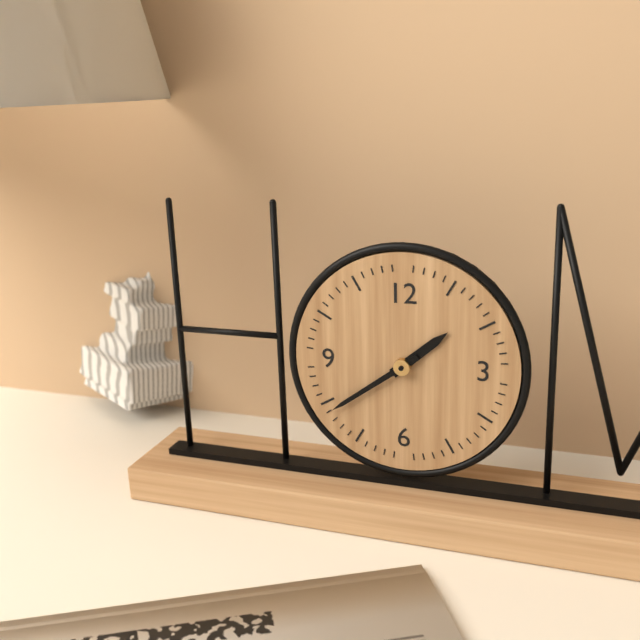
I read 1,39
